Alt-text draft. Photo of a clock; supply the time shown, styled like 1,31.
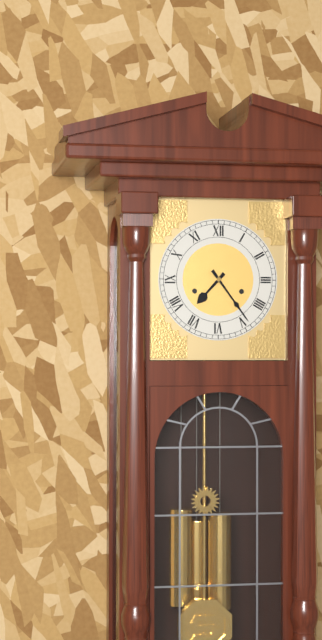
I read 7,24
